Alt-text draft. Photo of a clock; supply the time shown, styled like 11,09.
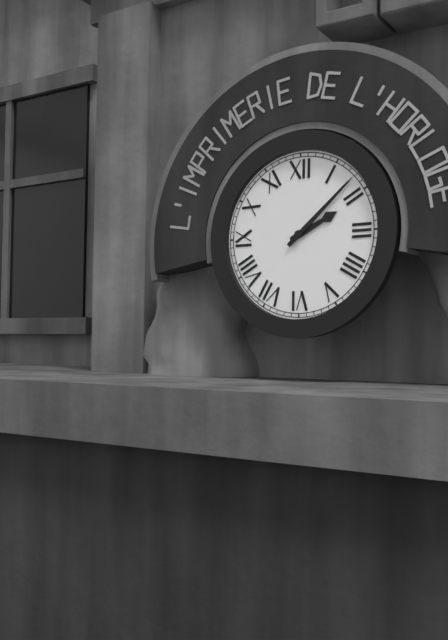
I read 2,08
